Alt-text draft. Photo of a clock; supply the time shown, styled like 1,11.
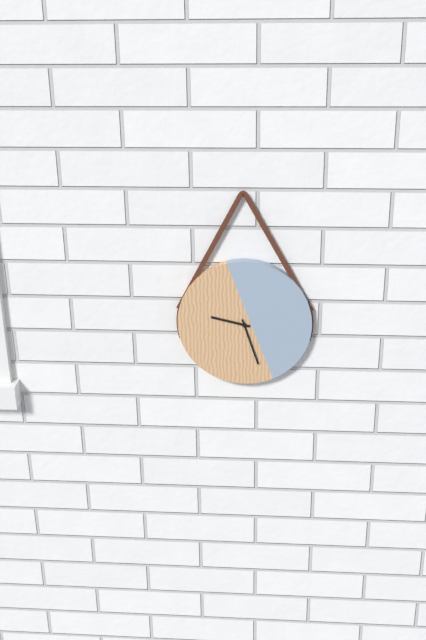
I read 9,27
